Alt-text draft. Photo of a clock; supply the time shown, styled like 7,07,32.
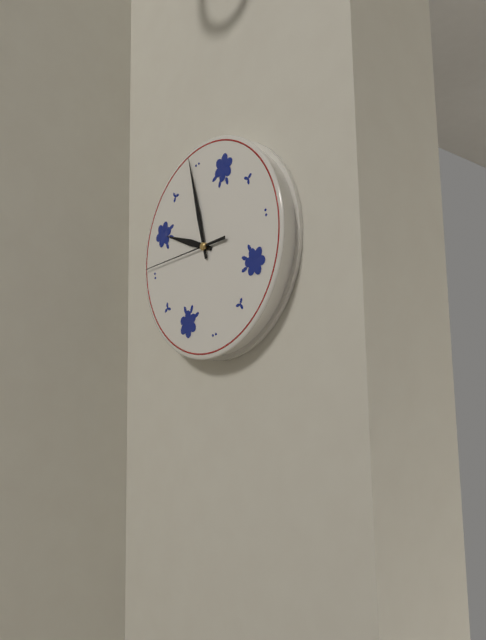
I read 9,59,46
